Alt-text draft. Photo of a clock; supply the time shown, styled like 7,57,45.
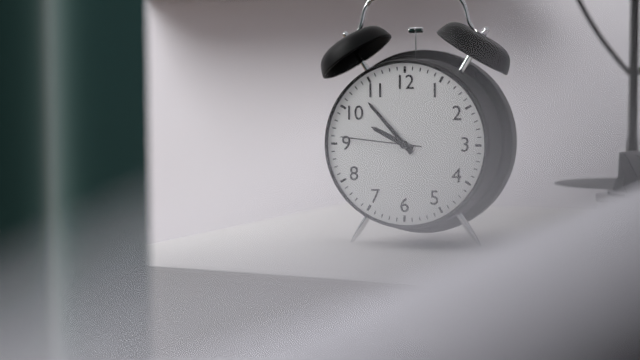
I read 9,53,46
